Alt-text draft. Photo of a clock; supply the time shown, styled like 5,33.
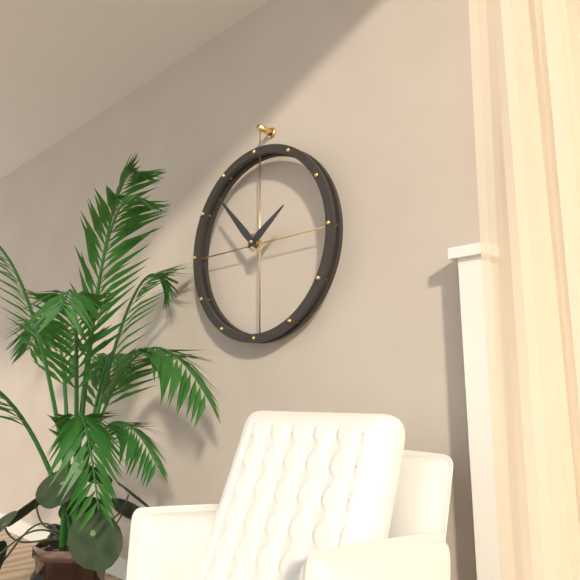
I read 1,53
